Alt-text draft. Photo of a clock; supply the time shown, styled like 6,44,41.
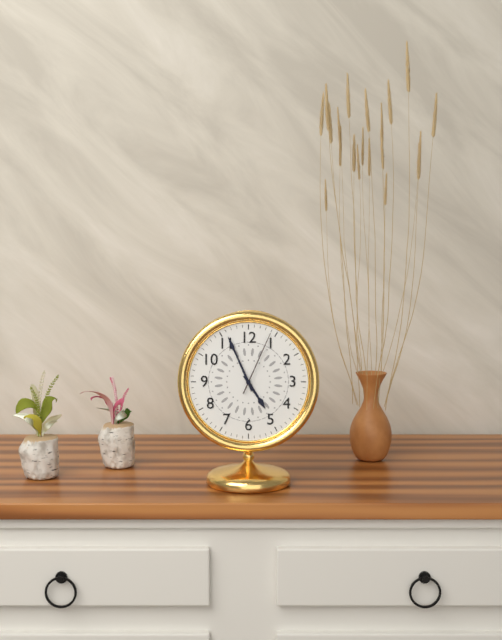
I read 4,56,04
